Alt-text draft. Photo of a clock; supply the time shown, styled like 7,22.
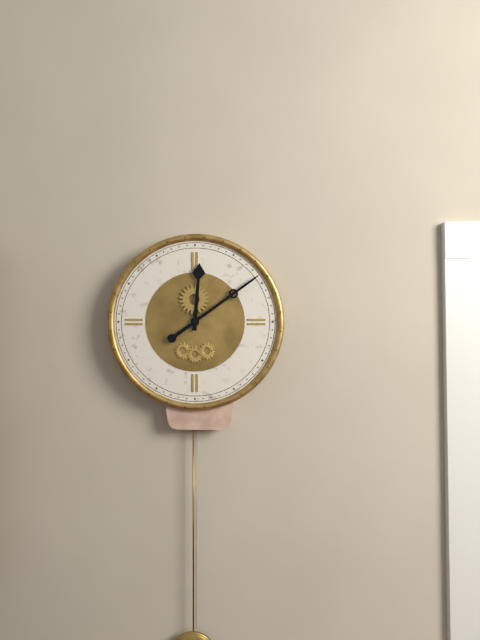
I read 12,09
